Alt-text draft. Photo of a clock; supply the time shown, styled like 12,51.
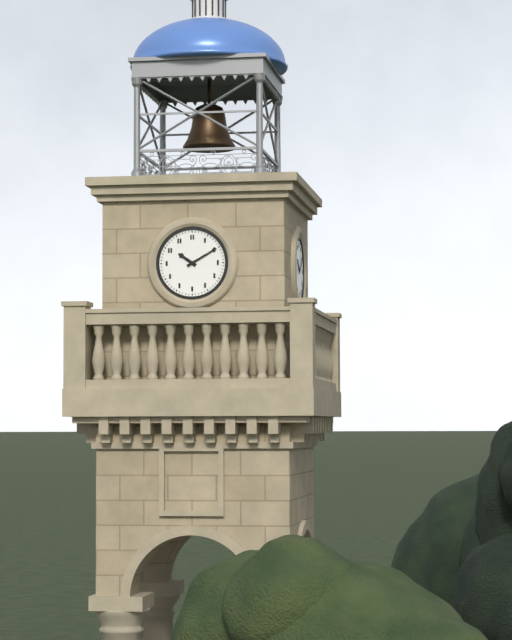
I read 10,10
